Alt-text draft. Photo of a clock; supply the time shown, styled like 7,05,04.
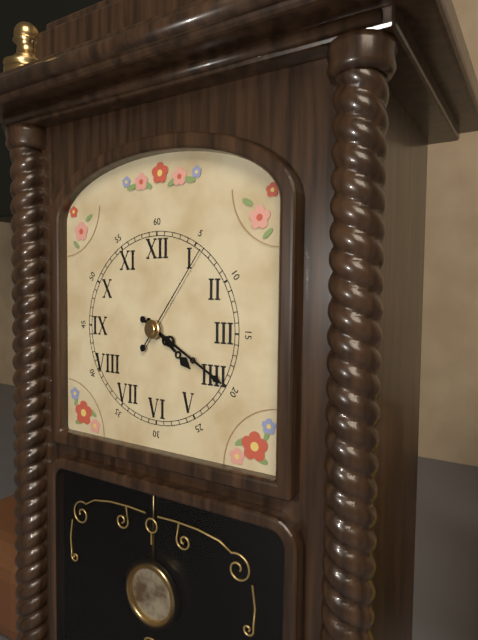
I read 4,20,06
